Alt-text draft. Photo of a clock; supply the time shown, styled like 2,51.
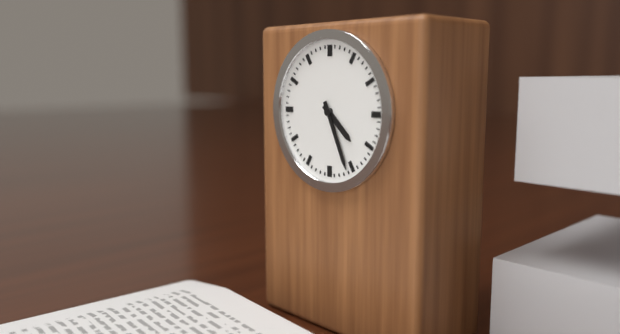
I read 4,26
